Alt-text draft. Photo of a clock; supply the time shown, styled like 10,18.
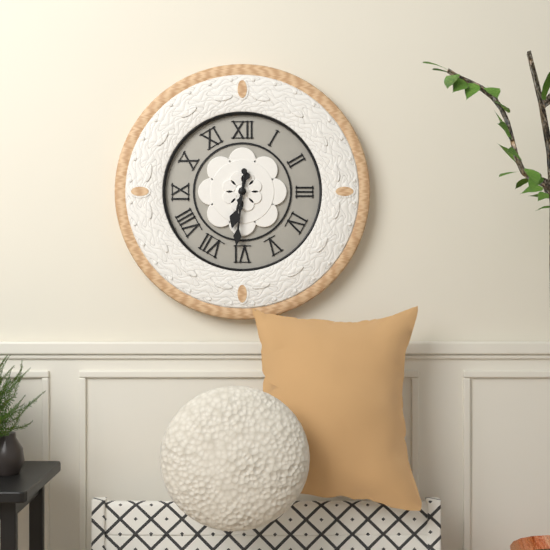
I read 6,31
